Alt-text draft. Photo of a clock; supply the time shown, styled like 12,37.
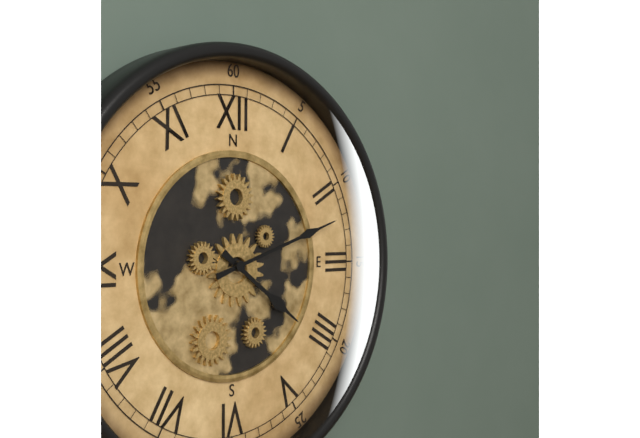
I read 4,12
